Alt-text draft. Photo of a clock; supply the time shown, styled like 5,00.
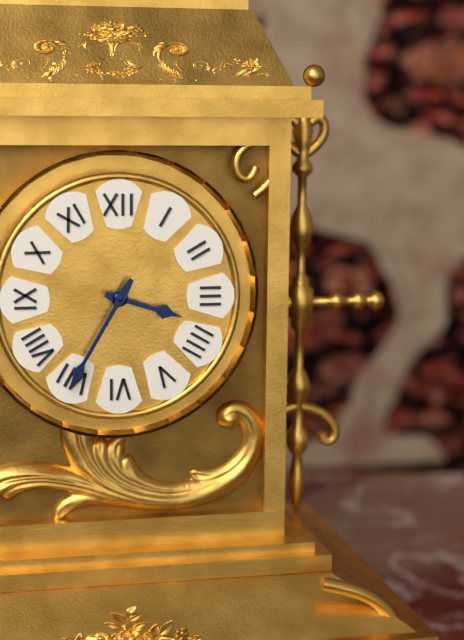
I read 3,35
